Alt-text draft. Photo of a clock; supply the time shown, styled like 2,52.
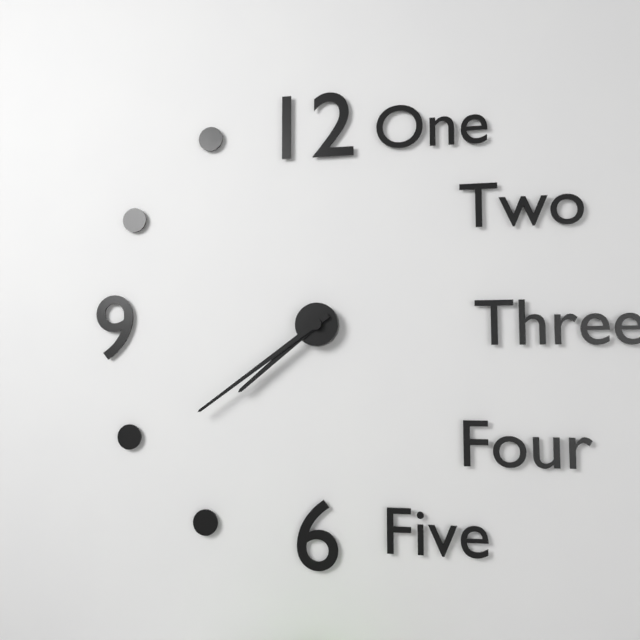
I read 7,39
